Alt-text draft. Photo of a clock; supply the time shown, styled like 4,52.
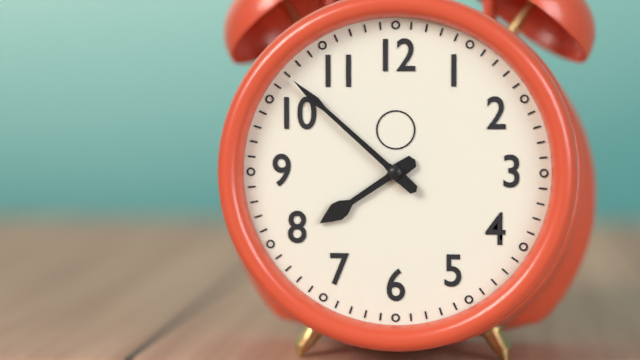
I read 7,52
